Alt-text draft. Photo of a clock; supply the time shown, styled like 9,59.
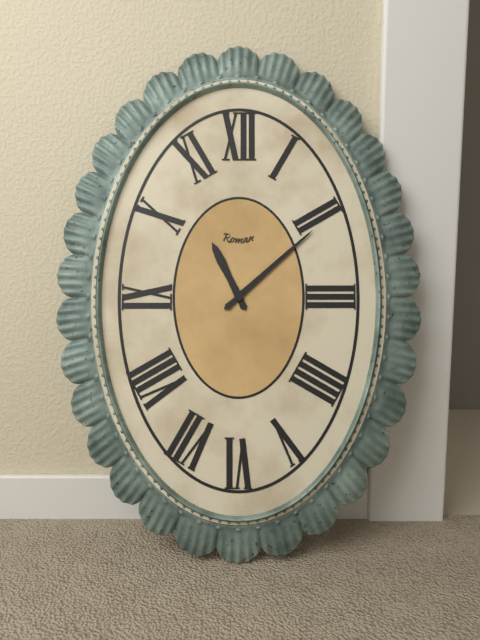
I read 11,08
